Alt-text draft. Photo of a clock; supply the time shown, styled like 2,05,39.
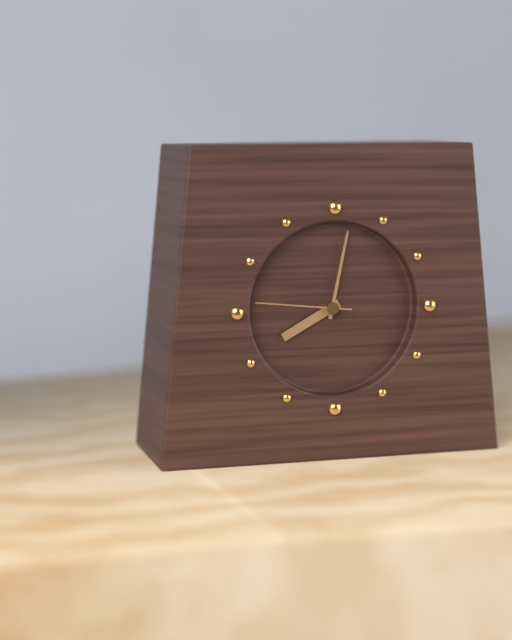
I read 8,02,46
